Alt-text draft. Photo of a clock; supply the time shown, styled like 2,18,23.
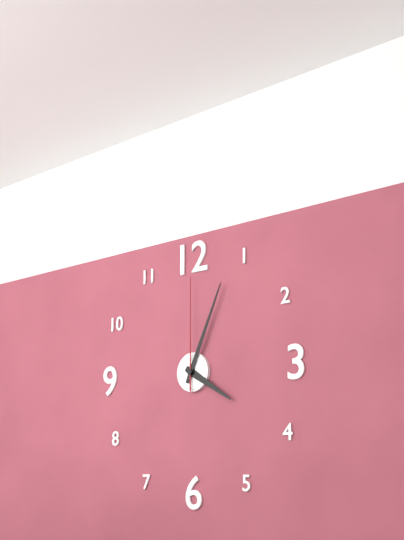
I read 4,04,00
